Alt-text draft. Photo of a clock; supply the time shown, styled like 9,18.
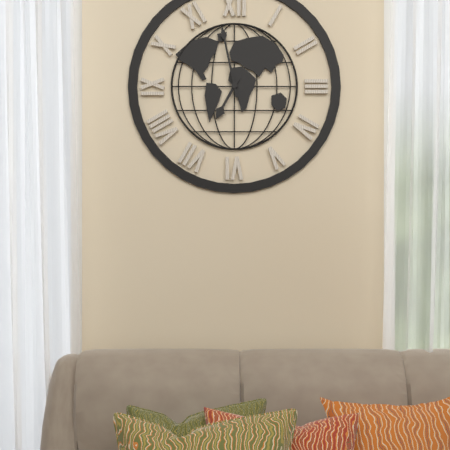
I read 6,58
